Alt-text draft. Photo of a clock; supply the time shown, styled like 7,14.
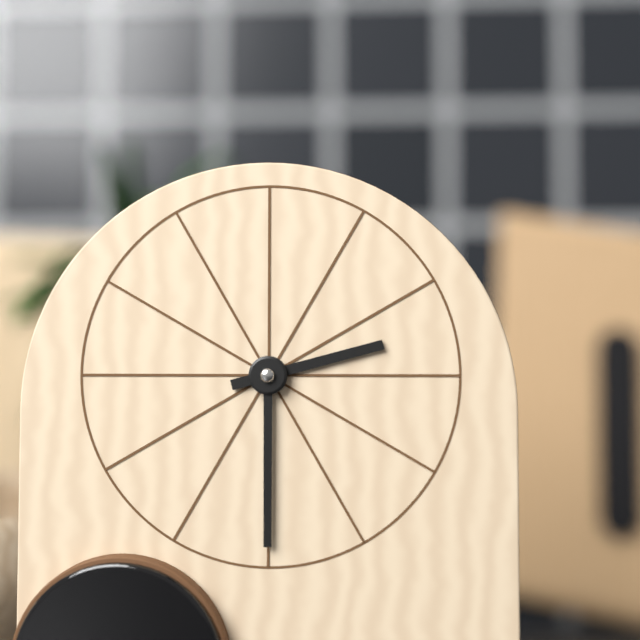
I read 2,30
